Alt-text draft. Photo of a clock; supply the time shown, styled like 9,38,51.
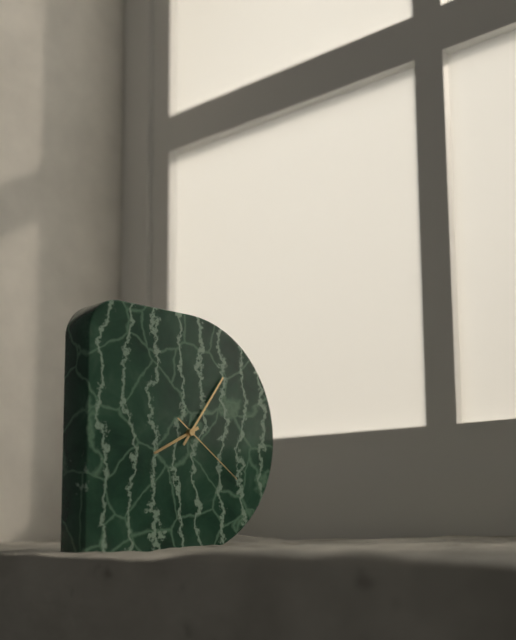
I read 8,06,21
